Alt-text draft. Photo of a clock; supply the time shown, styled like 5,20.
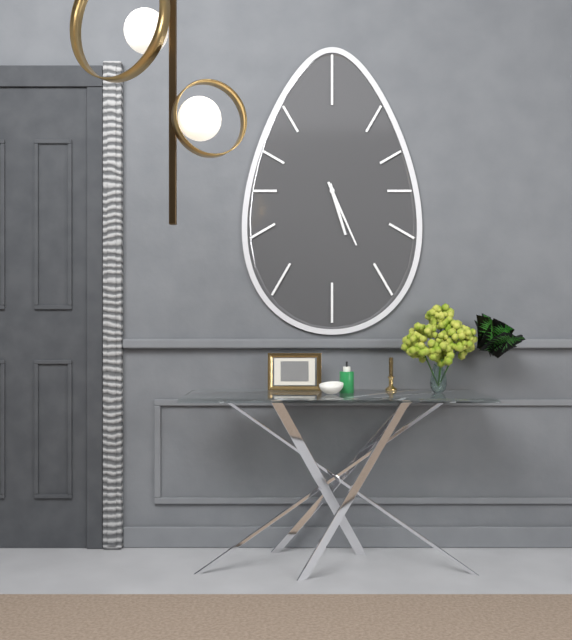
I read 5,26
